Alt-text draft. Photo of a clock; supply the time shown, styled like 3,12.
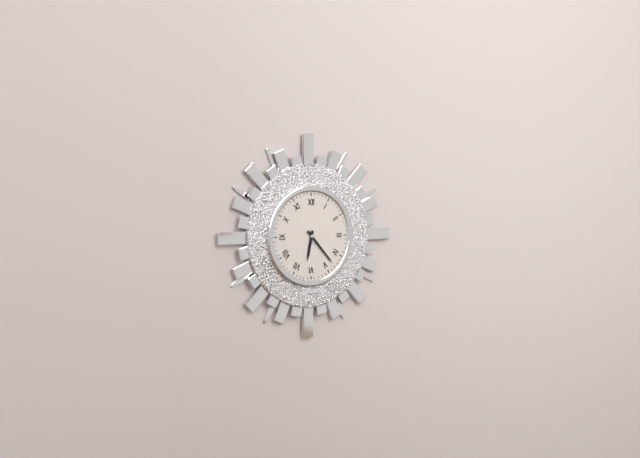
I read 6,23
